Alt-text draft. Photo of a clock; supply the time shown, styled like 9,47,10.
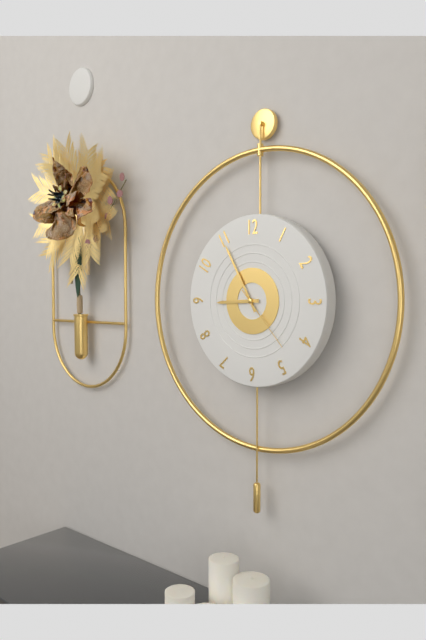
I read 8,55,23
